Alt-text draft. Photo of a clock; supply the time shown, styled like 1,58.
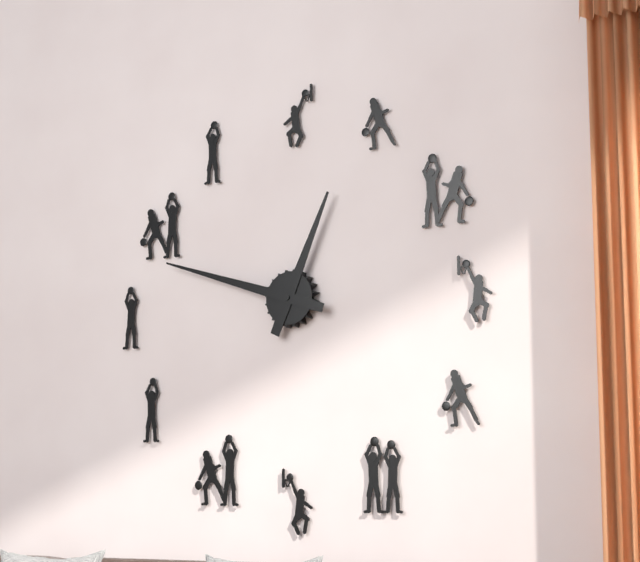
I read 12,48
